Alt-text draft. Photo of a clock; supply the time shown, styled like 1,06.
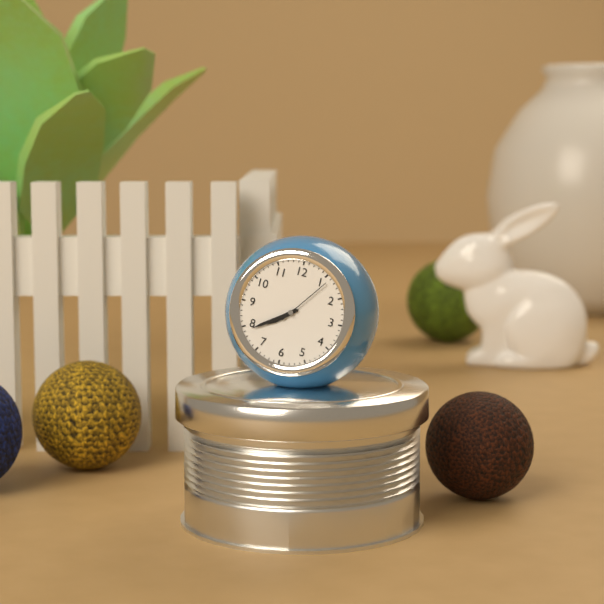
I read 7,39
